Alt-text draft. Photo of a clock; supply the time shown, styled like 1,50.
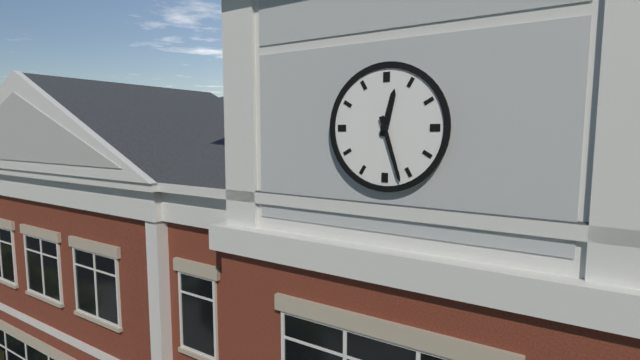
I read 12,27
